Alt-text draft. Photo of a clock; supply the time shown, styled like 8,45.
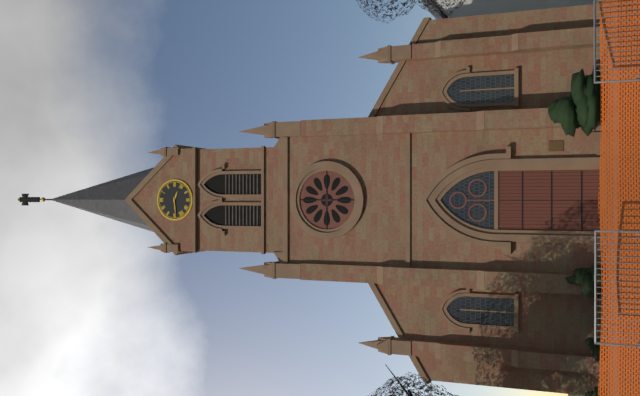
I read 3,44
